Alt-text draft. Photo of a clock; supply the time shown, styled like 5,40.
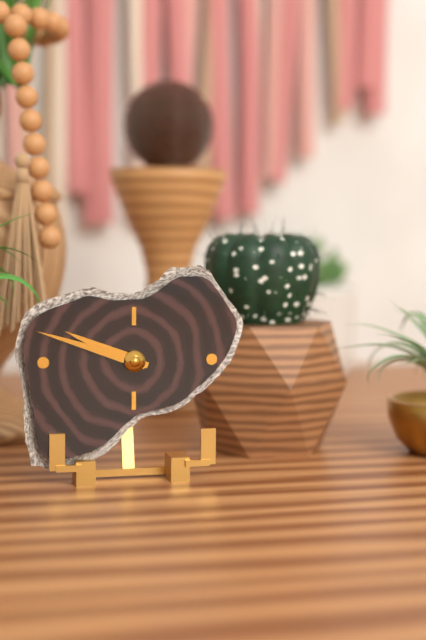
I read 9,48
